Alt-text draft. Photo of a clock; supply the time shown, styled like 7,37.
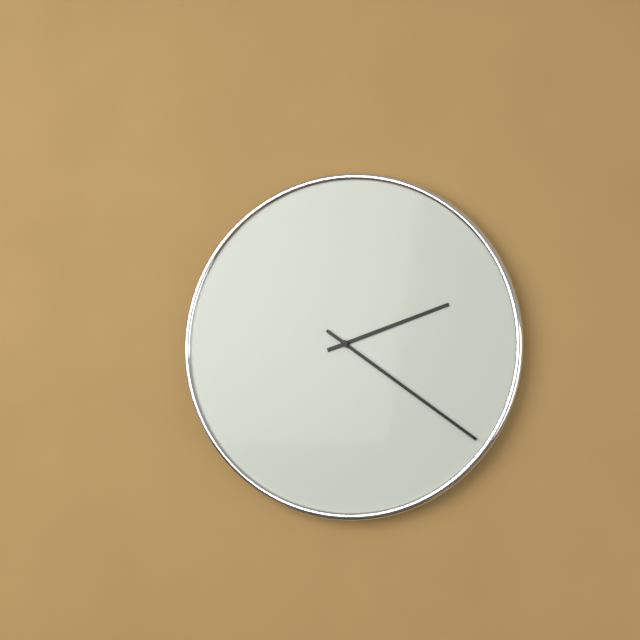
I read 2,21
